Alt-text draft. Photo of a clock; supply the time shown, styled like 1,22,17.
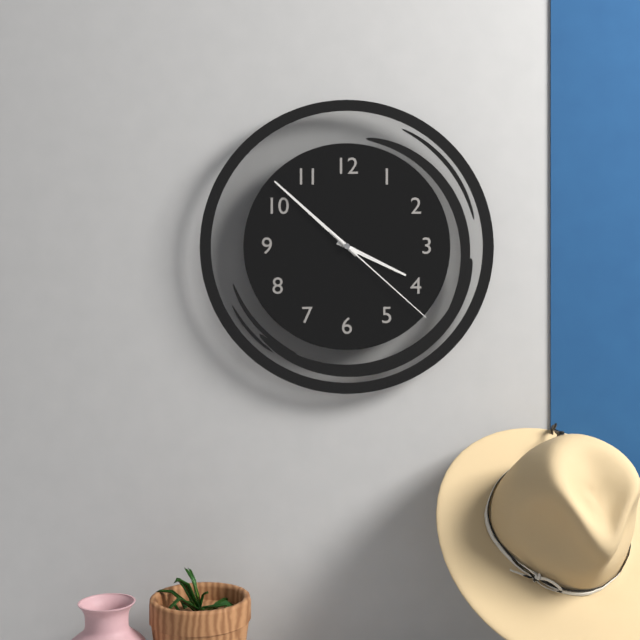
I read 3,52,22
